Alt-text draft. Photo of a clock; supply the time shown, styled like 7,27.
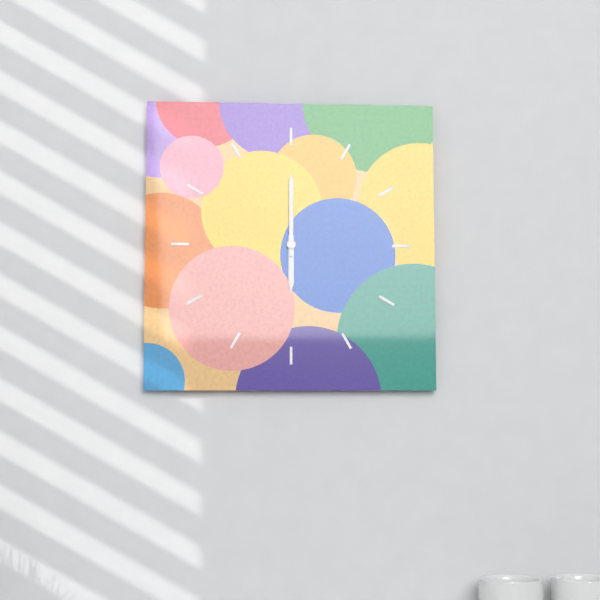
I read 6,00
